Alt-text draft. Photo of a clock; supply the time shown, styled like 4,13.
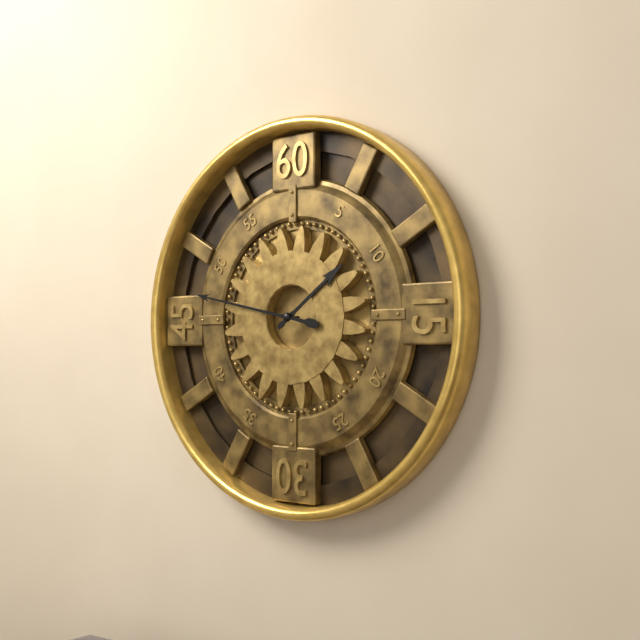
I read 1,47
